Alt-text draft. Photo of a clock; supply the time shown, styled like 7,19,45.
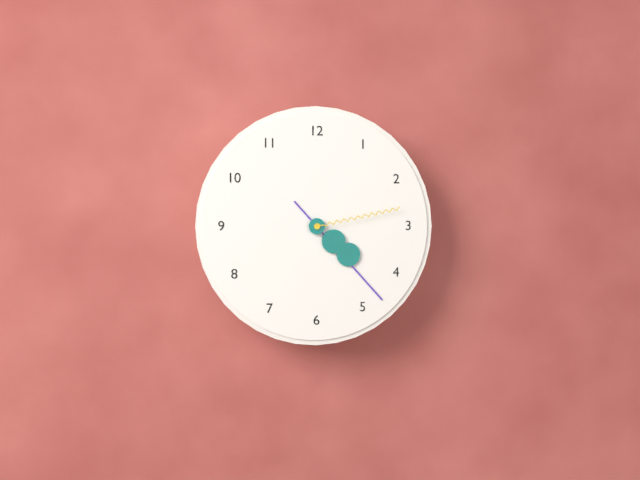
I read 4,23,13
